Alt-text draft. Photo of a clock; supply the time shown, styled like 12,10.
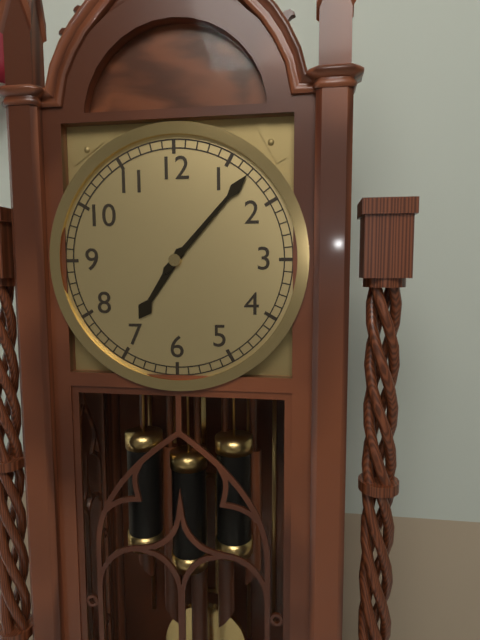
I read 7,07
